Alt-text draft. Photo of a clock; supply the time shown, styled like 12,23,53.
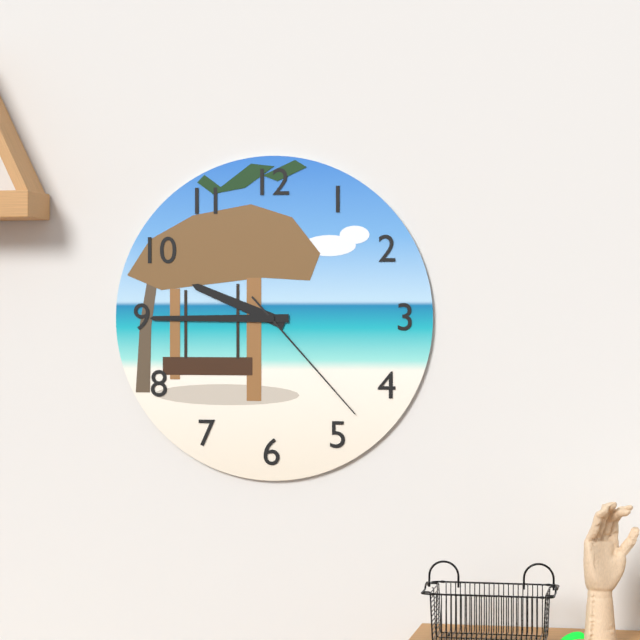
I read 9,45,23
